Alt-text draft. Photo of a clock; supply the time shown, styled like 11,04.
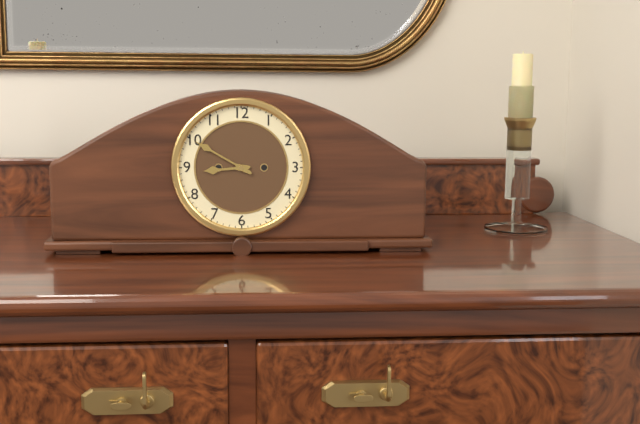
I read 8,50
